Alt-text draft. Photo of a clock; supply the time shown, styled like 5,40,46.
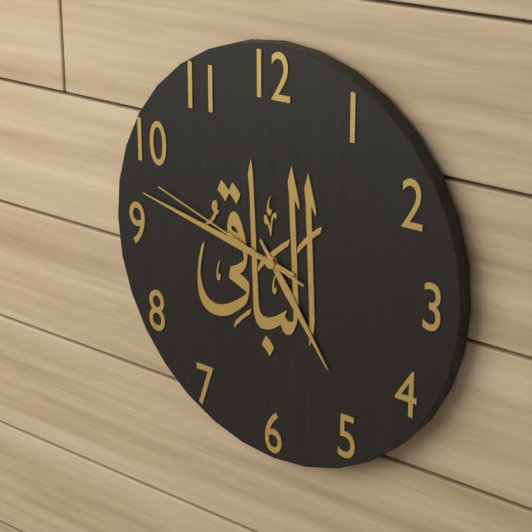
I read 4,47,48
